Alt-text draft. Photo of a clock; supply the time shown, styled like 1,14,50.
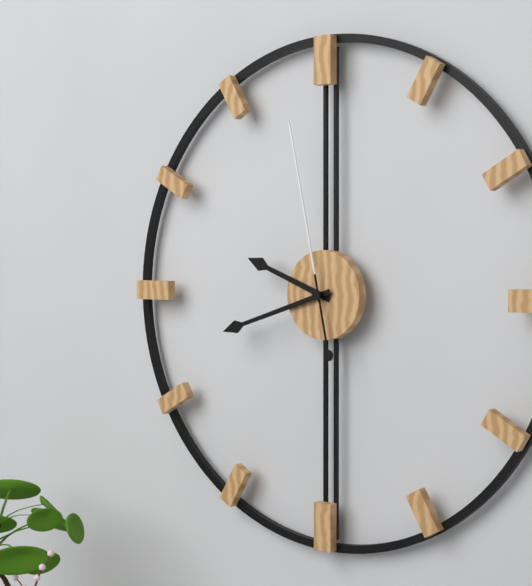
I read 9,42,58
